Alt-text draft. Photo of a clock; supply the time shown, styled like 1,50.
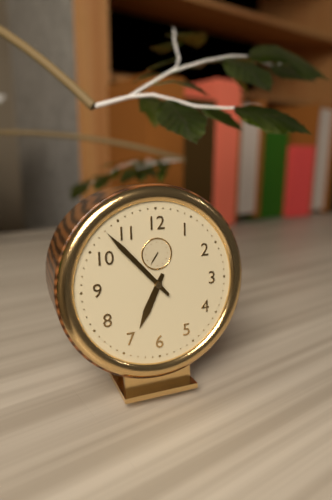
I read 6,53
